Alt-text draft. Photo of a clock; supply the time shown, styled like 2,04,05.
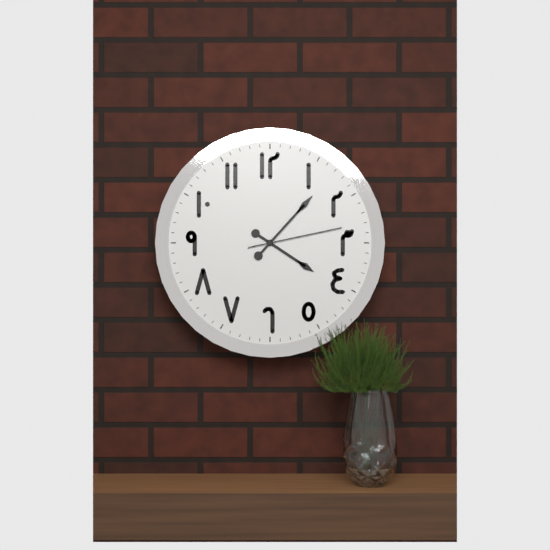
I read 4,07,13
